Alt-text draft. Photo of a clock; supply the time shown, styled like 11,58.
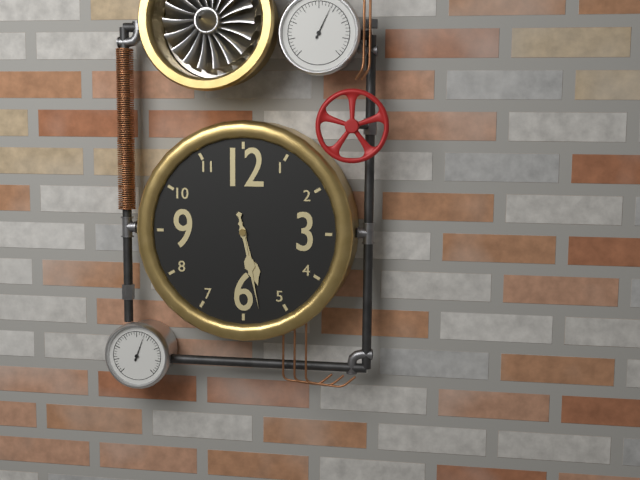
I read 5,28
